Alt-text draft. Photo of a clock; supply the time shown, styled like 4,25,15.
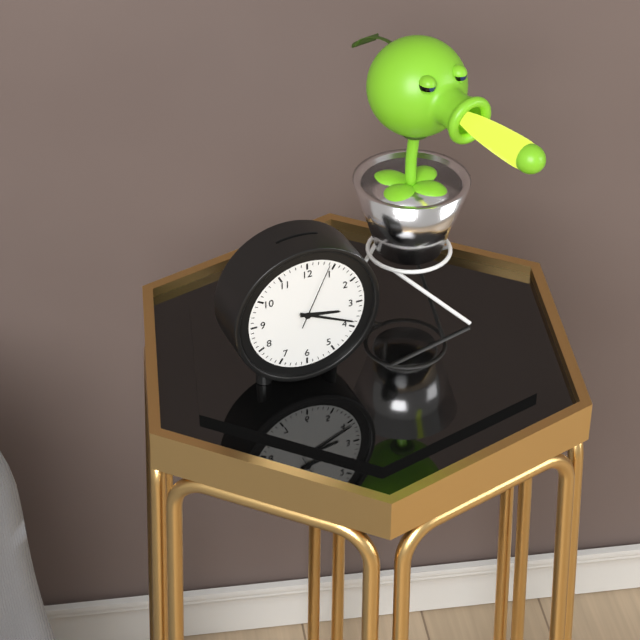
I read 3,19,04
